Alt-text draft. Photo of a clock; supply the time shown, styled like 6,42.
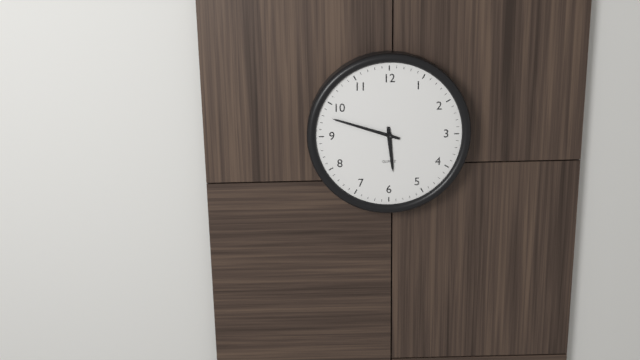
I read 5,48
